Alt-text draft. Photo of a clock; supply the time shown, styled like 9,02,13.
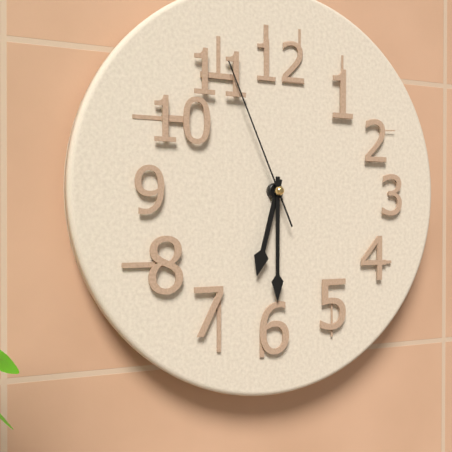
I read 6,30,56
